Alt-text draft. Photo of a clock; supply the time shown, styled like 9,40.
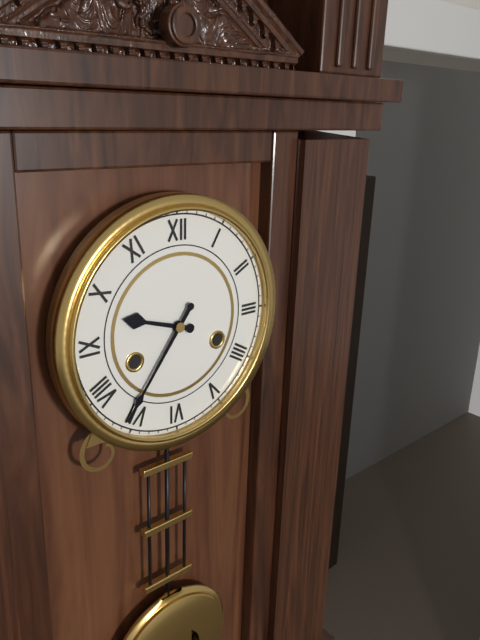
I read 9,36
